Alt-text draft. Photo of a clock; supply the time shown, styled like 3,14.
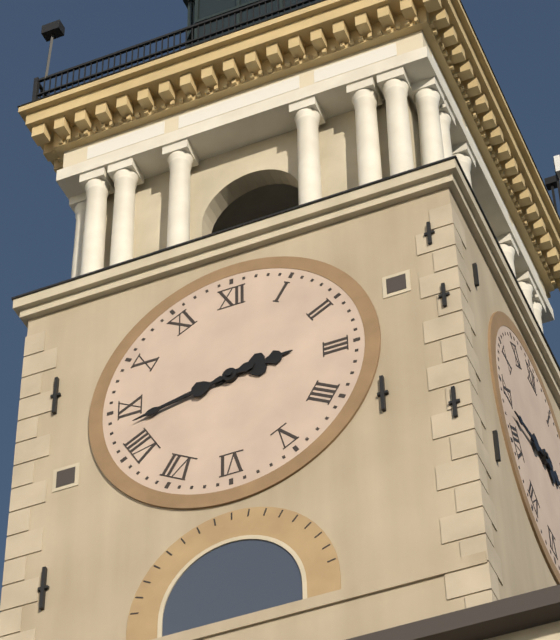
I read 2,43
